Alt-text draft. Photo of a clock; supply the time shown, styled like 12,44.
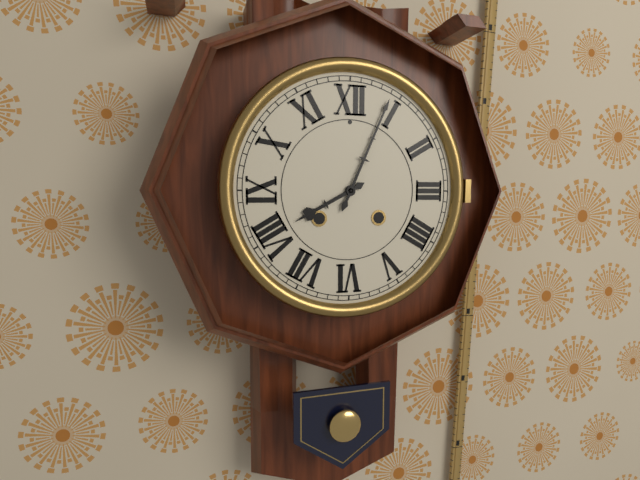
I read 8,04
